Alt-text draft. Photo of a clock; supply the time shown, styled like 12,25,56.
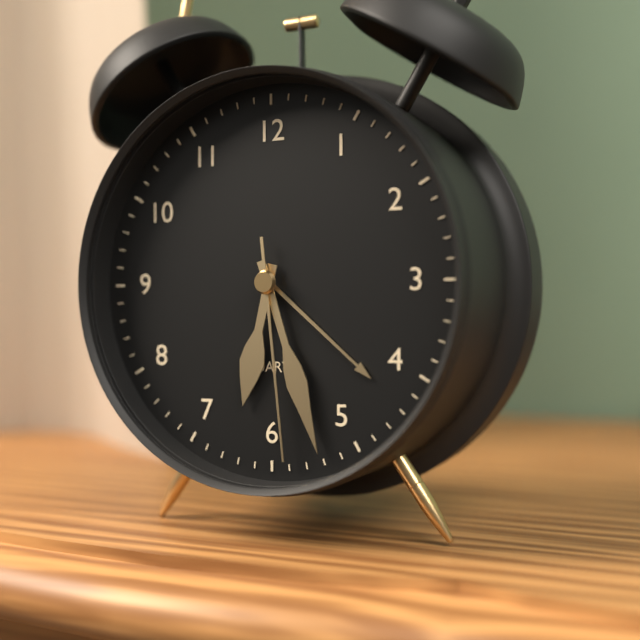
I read 6,27,29
